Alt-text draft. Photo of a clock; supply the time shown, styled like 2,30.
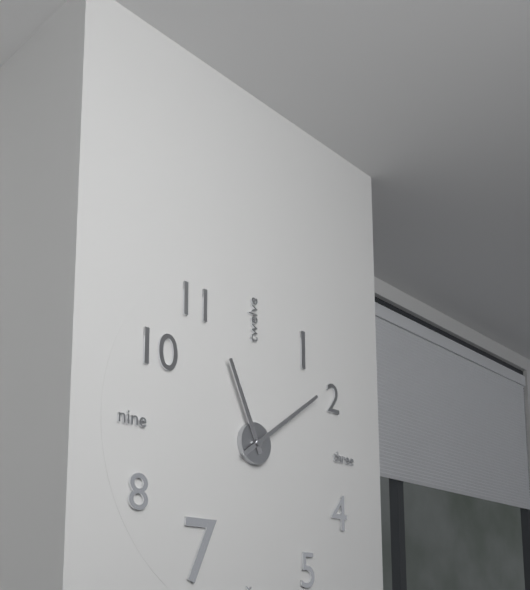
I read 11,09
